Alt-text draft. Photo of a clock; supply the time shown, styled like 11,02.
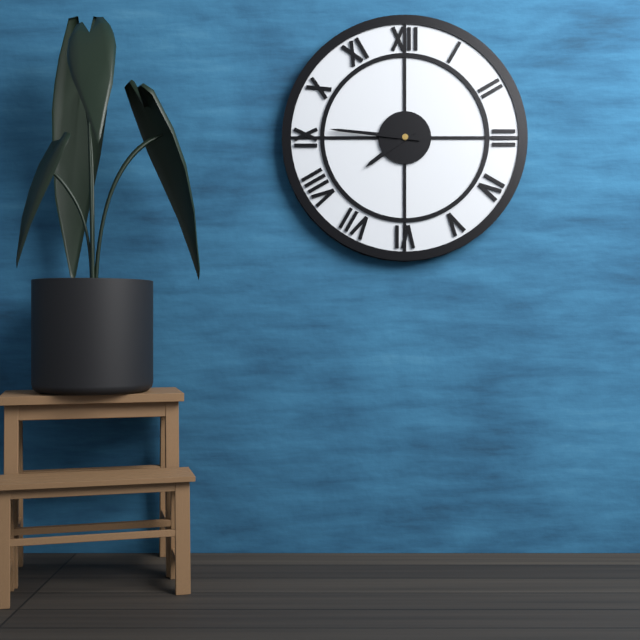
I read 7,46
